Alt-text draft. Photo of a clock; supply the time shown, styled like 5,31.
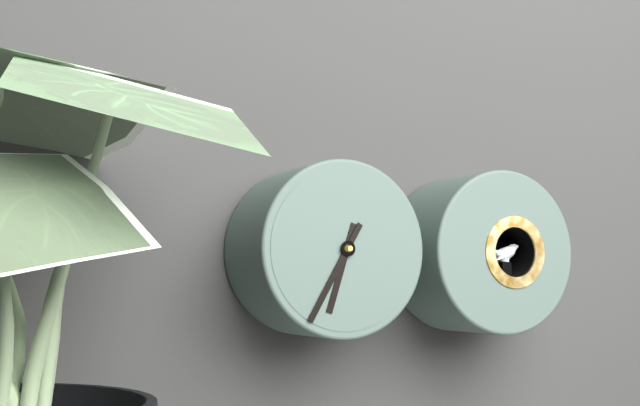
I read 6,35
